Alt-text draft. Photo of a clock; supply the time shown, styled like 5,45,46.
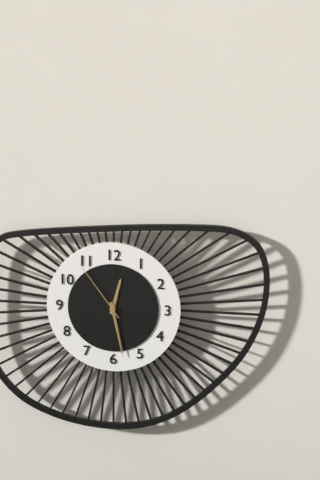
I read 12,28,54
